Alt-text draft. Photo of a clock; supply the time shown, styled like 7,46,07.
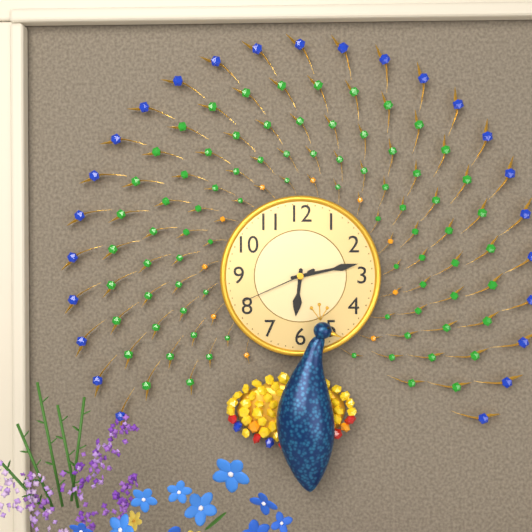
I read 6,13,41
